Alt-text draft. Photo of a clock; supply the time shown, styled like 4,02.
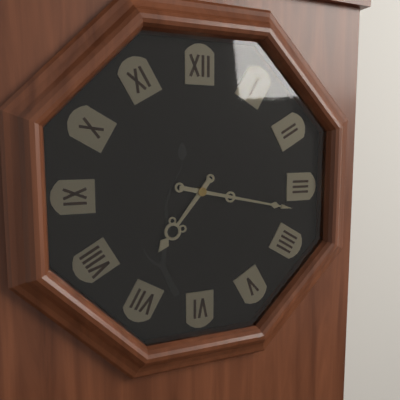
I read 7,17
